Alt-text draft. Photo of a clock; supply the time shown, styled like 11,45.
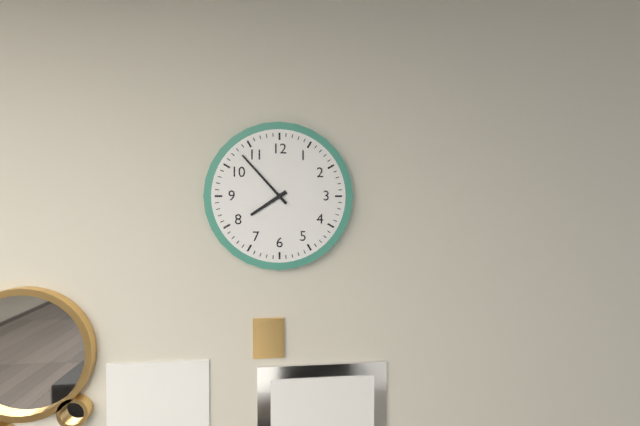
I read 7,53
